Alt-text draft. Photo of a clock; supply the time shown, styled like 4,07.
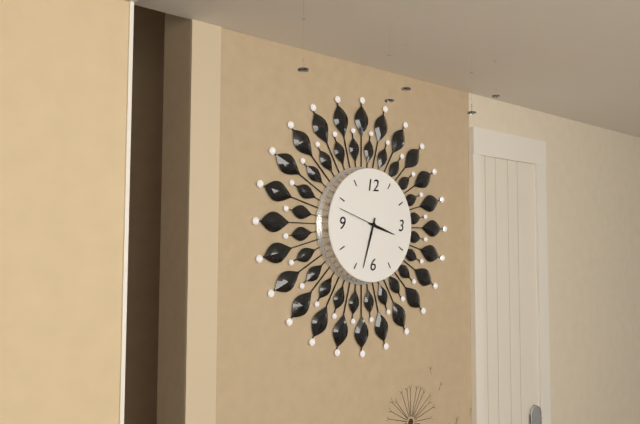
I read 3,33
